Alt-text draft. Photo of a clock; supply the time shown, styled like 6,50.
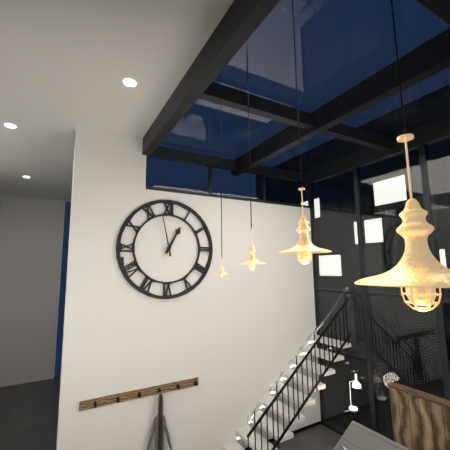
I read 12,58
